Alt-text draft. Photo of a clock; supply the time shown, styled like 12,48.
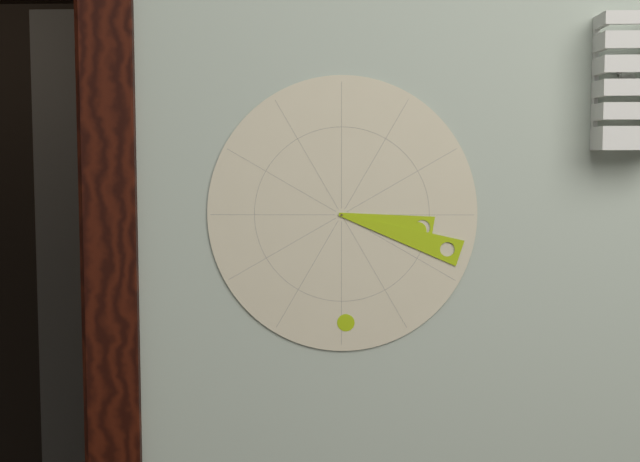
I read 3,18
